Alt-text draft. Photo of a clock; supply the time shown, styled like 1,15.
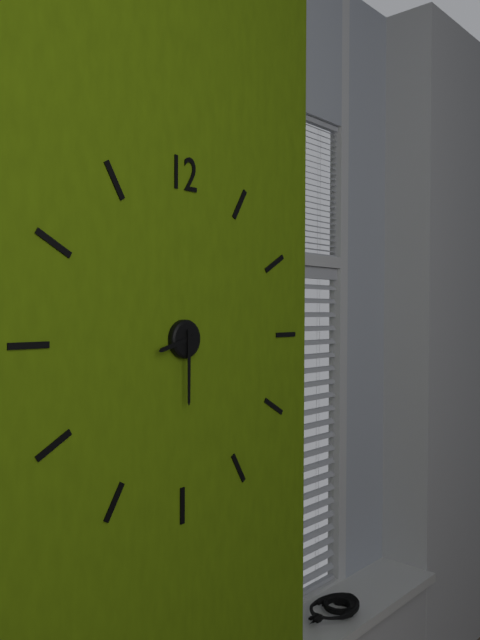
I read 8,30
